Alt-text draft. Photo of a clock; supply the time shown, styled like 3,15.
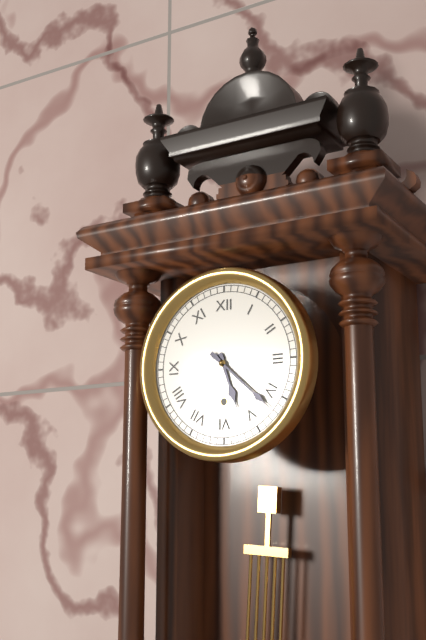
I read 5,22
